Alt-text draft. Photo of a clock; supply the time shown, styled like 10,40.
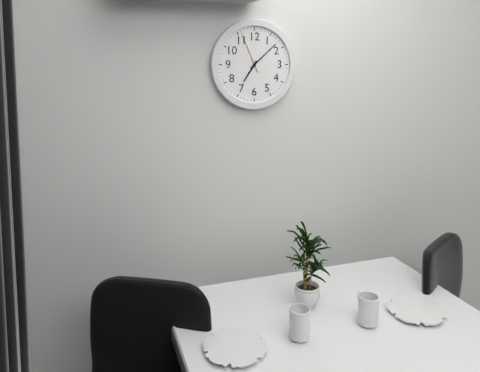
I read 7,08
